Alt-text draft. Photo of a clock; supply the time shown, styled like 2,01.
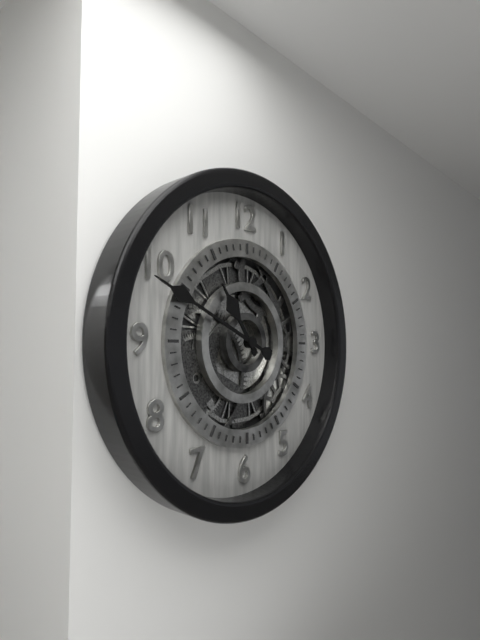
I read 10,49
